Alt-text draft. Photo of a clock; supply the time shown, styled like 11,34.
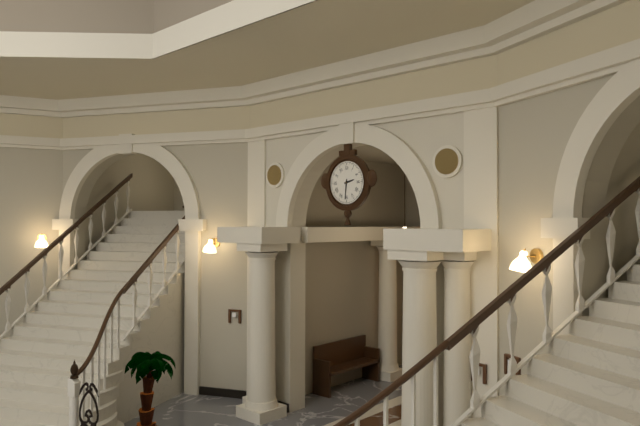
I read 2,31
